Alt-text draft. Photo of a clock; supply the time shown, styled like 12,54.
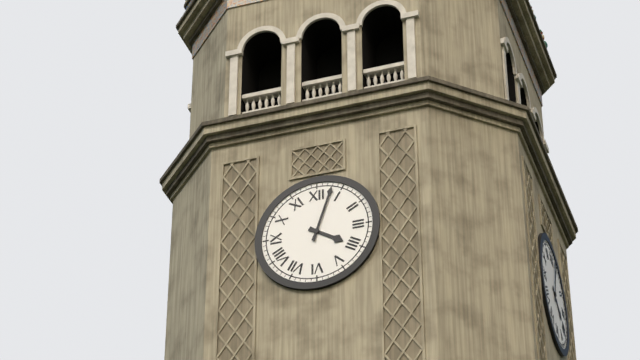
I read 4,03
